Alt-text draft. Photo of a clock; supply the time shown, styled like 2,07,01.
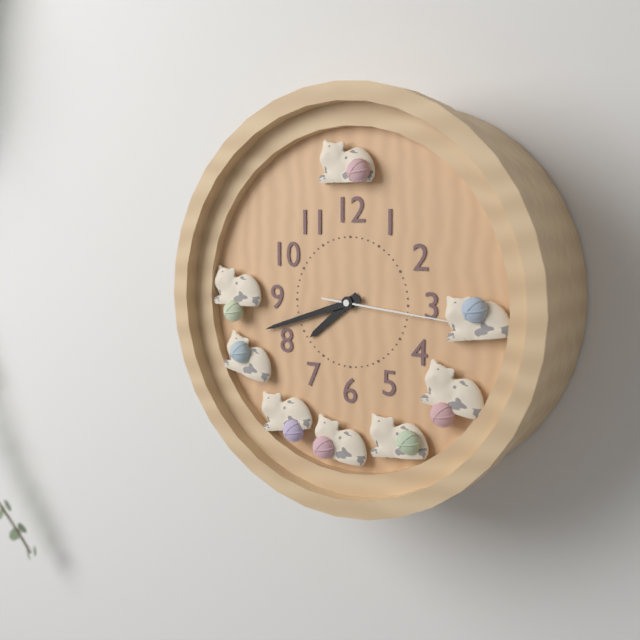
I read 7,42,16
